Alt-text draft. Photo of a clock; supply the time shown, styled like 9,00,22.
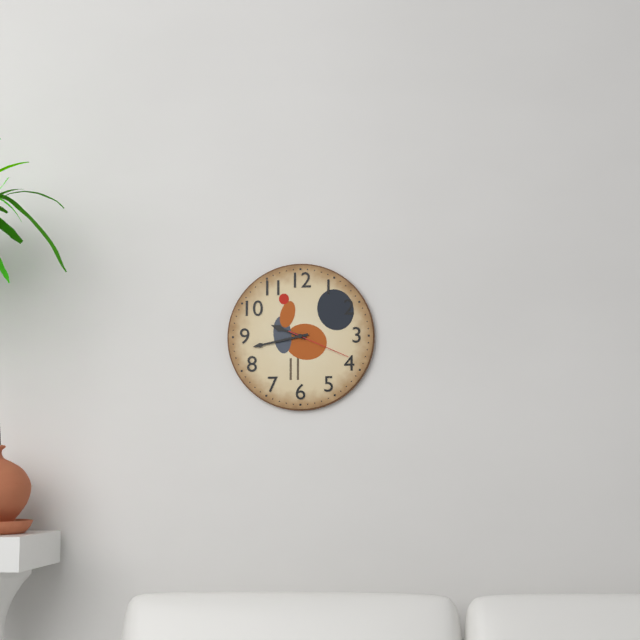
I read 9,43,19
